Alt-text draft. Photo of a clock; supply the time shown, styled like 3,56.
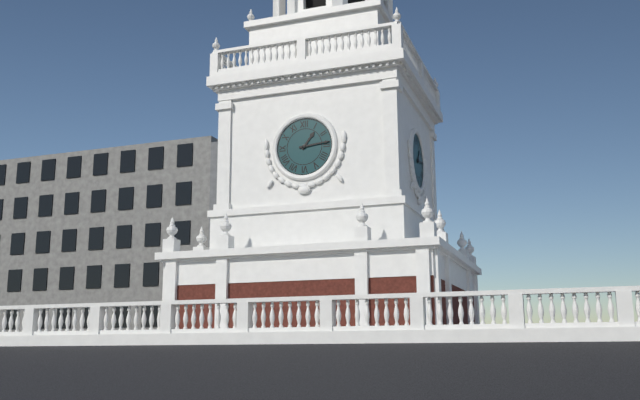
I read 1,14
